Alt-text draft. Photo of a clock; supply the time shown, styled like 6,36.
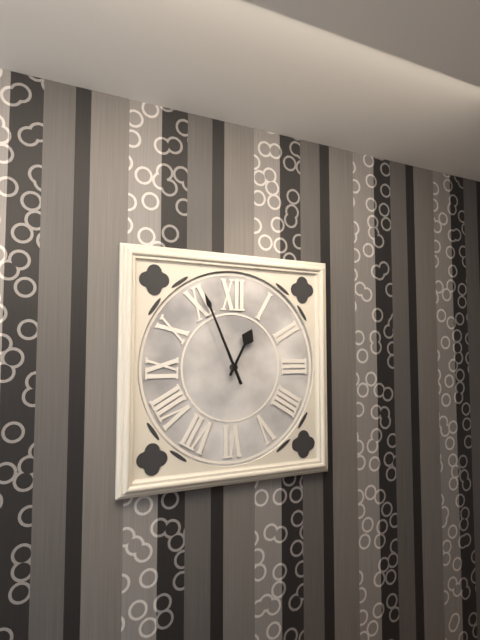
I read 12,56
